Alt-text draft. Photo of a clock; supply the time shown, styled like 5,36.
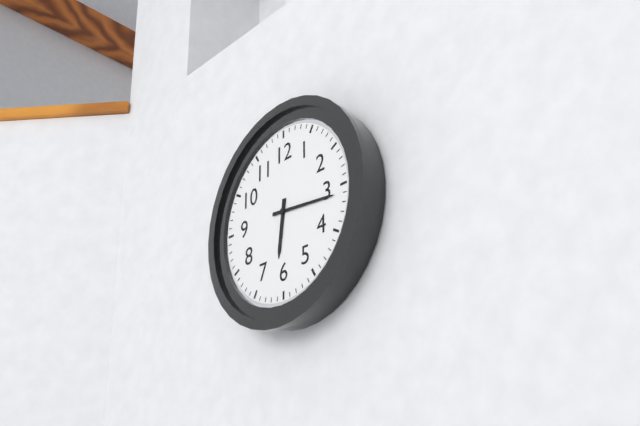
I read 6,16
